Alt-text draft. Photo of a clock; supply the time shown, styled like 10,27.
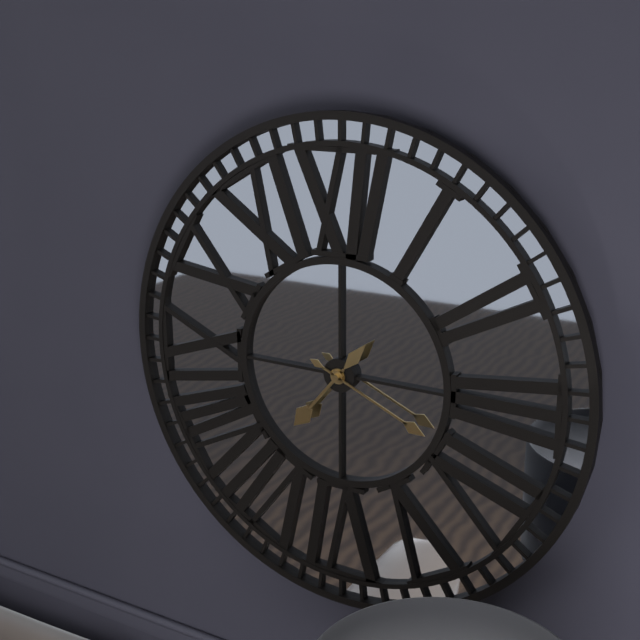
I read 7,19
